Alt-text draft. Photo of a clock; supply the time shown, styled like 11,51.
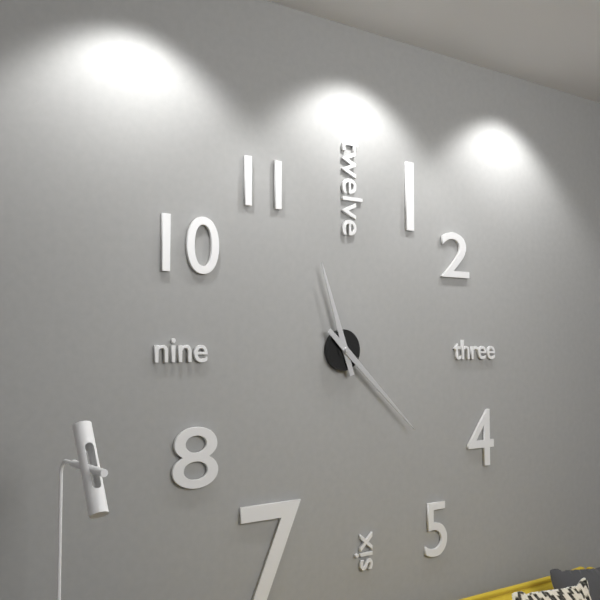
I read 11,22
